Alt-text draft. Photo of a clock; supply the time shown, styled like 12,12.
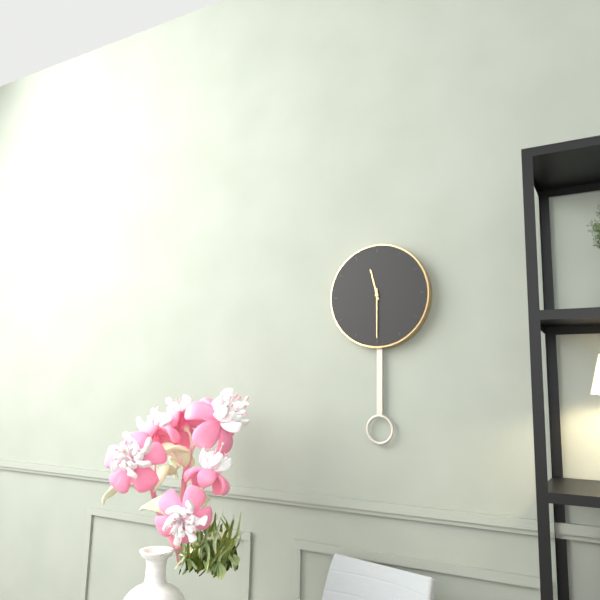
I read 11,30
